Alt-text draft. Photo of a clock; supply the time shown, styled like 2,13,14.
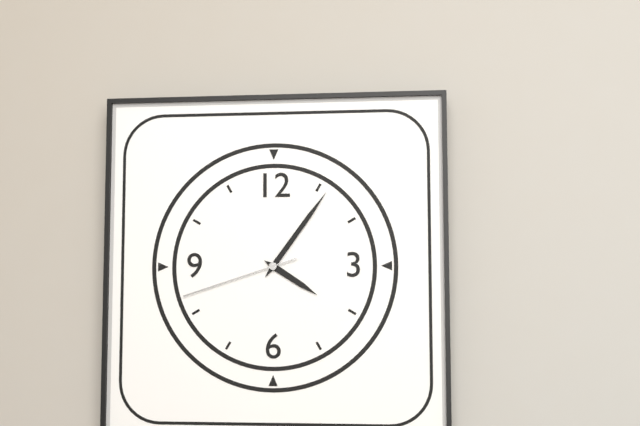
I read 4,06,42
